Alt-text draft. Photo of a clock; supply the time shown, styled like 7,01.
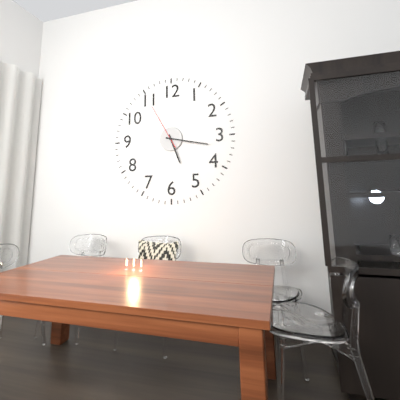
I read 5,17
